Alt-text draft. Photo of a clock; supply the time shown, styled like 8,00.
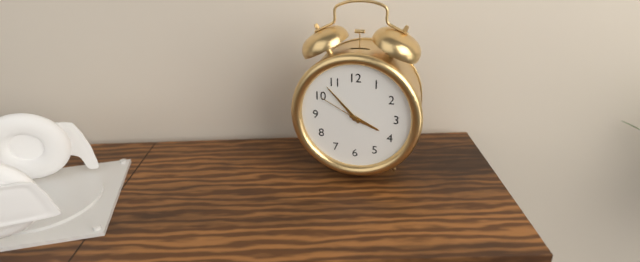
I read 3,53
